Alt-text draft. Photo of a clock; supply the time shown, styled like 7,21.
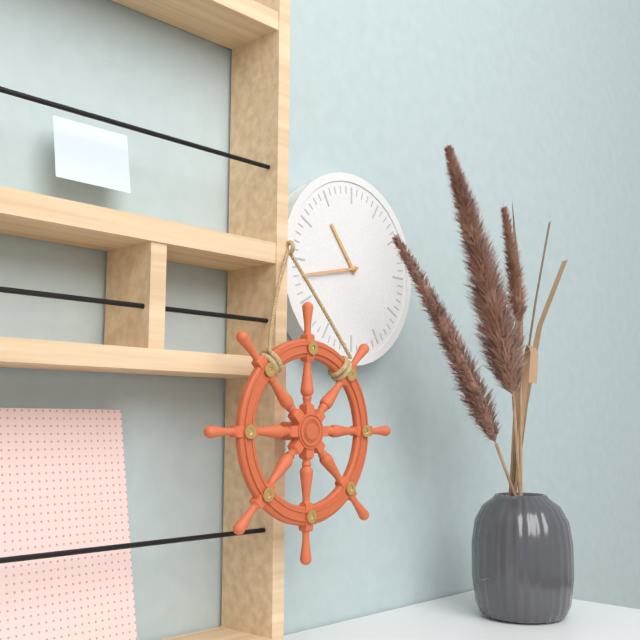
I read 10,43
